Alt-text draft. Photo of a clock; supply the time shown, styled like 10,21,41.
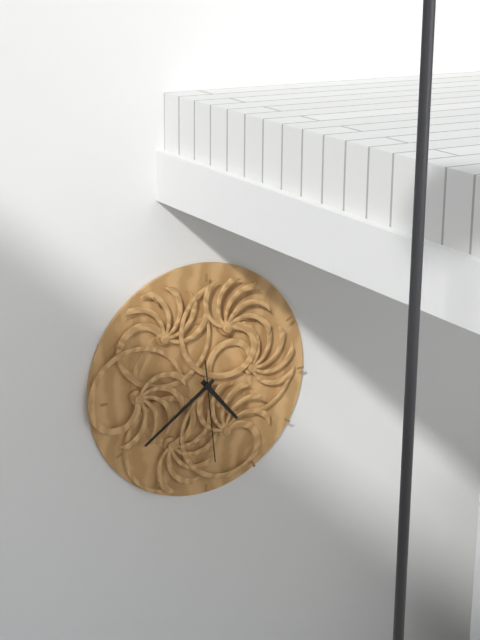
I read 4,39,29
